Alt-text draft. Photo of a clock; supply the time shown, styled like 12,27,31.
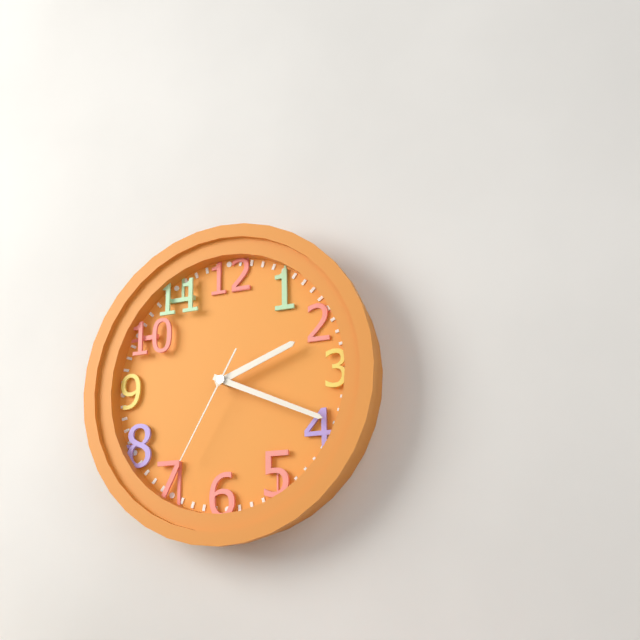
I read 2,19,35
